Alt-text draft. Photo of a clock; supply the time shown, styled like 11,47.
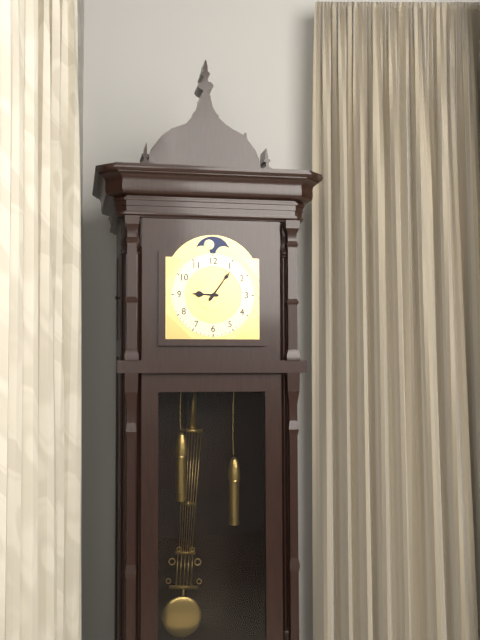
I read 9,06
